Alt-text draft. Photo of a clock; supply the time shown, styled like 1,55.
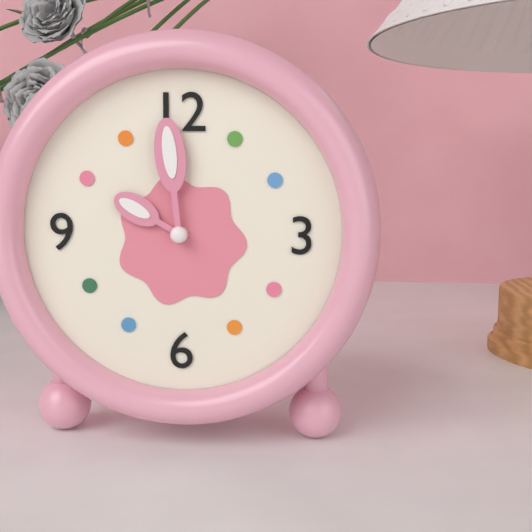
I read 9,59
